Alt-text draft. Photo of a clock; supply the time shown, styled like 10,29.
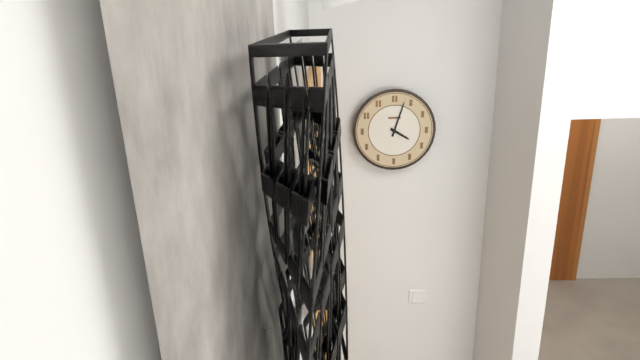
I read 4,03
